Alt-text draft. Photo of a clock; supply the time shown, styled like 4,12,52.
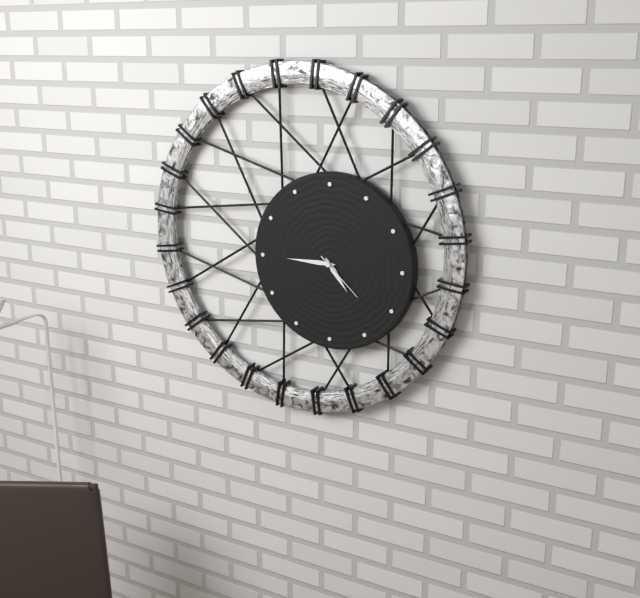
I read 4,45,22
